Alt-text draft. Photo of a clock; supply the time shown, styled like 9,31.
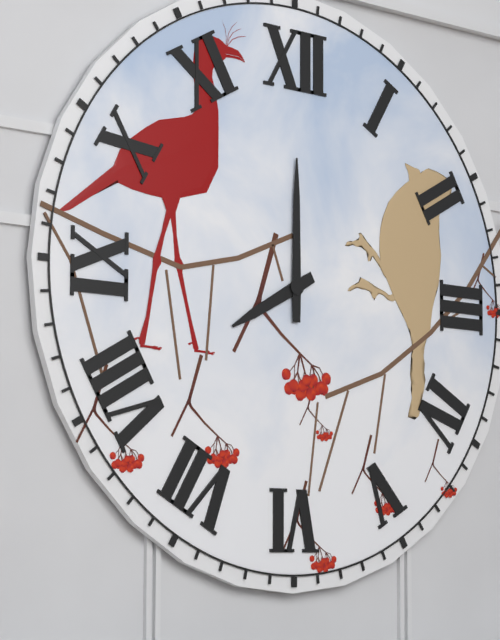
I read 8,00
